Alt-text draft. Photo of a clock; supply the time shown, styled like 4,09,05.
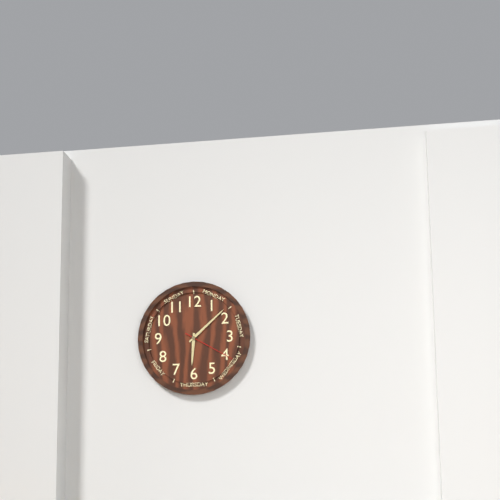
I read 6,08,20
